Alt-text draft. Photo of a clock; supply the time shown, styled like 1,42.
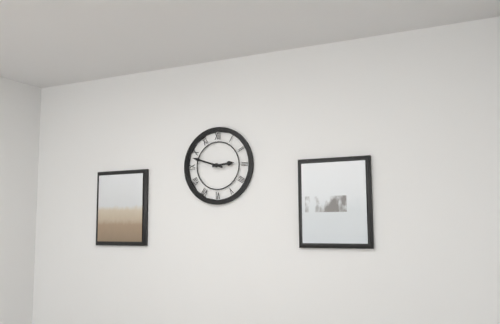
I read 2,48
